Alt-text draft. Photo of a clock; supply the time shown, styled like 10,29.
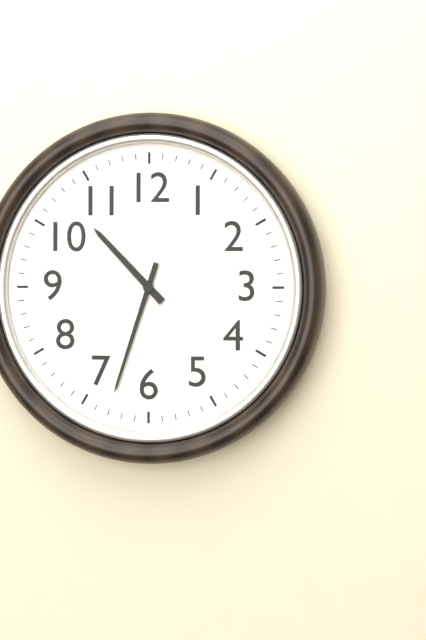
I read 10,33
